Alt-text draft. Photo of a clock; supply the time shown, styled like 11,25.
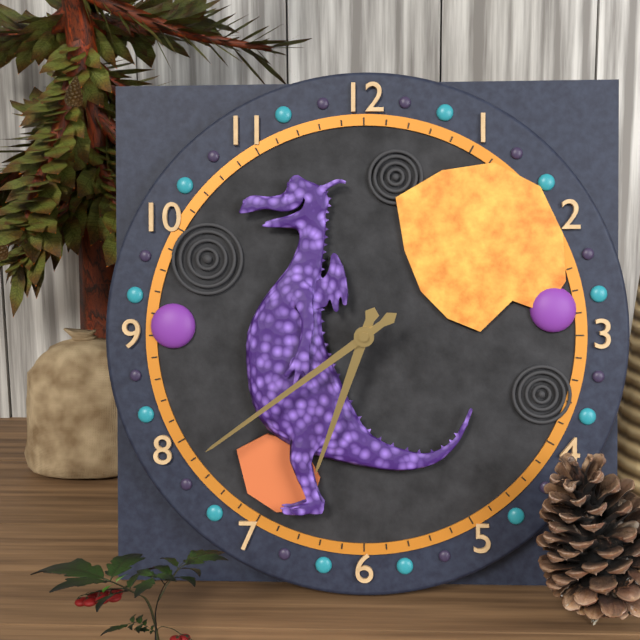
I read 6,39
